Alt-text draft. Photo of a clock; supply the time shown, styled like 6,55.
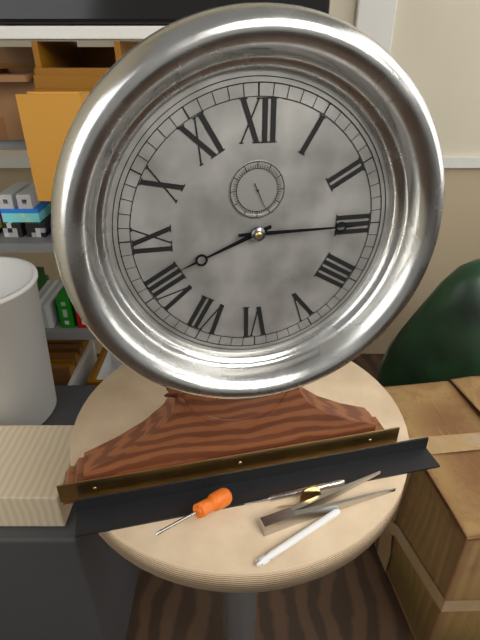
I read 8,15
